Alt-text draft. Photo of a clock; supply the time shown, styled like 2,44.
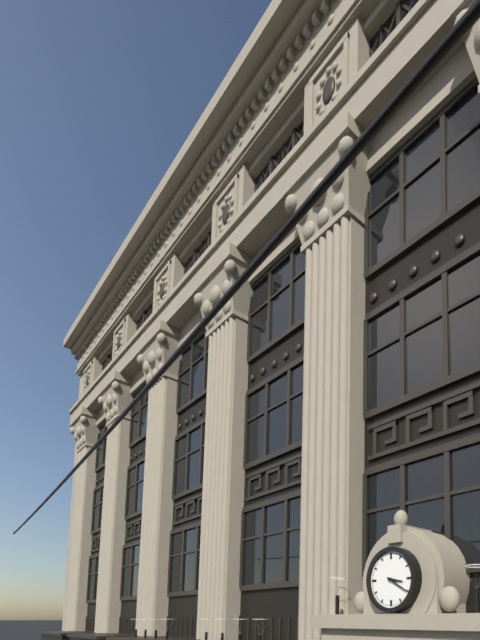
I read 3,20
